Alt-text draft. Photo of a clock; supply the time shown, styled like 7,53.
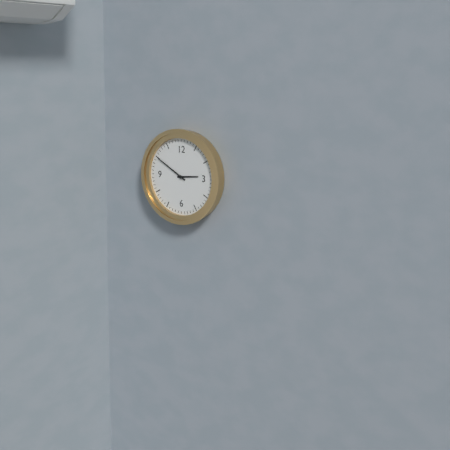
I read 2,50
